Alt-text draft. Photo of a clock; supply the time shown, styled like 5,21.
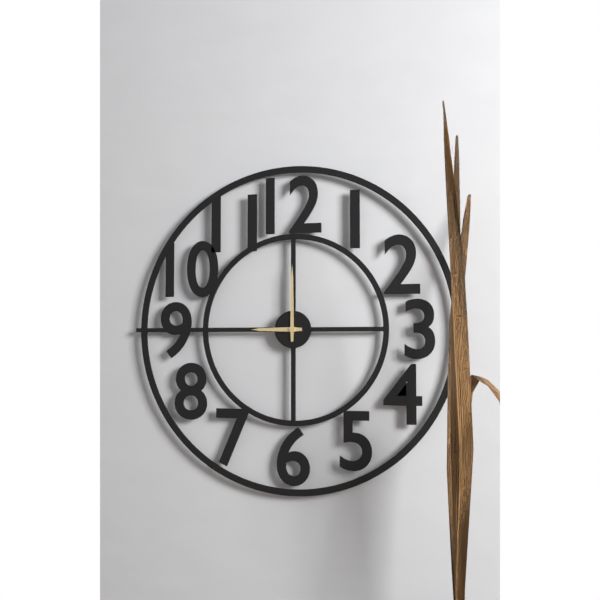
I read 9,00
